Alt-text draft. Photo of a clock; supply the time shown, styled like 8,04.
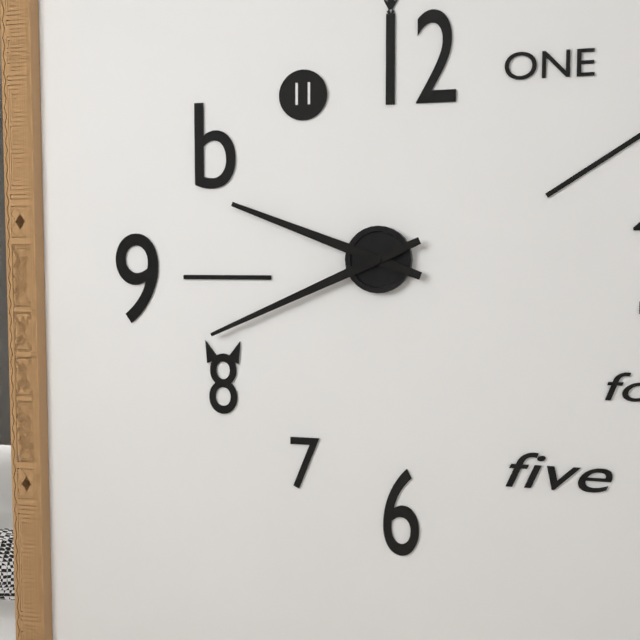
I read 9,41
